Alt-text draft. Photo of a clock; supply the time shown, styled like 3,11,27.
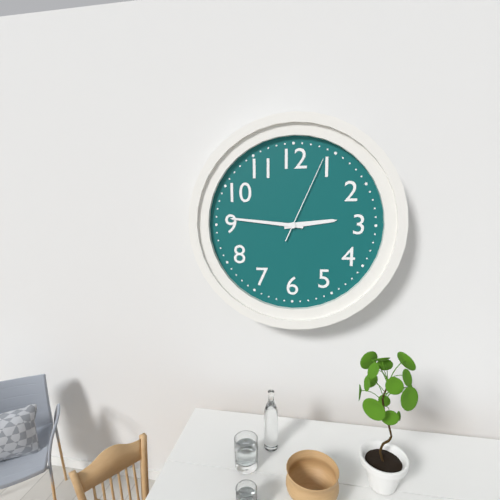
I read 2,46,04
